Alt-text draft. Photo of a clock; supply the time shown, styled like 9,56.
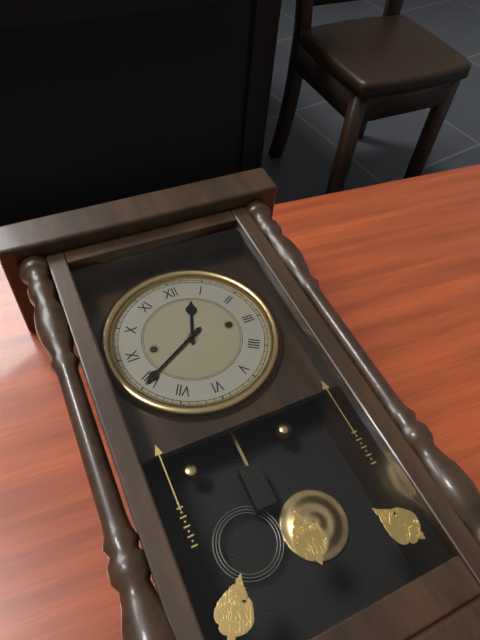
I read 12,40
